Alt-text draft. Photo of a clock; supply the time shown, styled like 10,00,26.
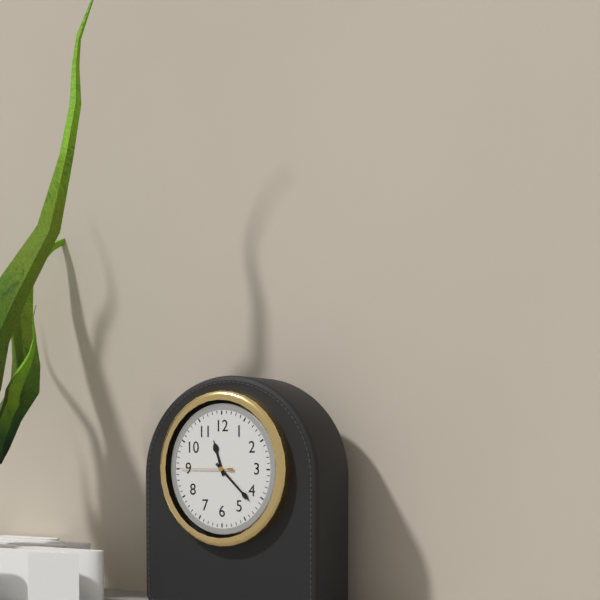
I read 11,22,45
